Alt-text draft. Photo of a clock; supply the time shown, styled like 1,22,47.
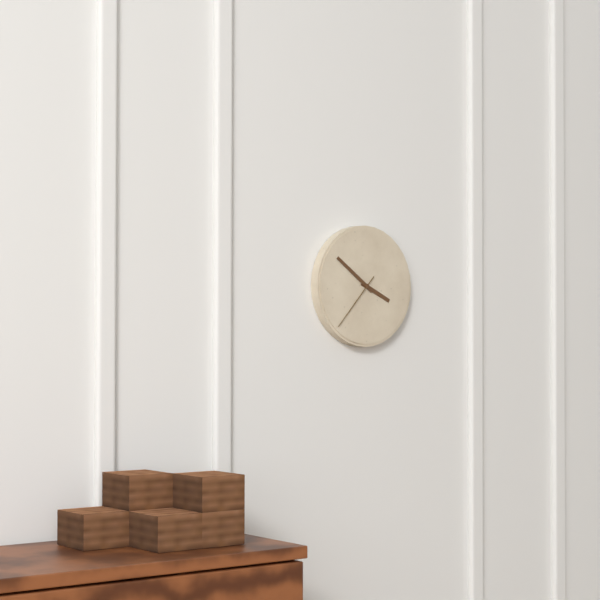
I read 3,51,37
